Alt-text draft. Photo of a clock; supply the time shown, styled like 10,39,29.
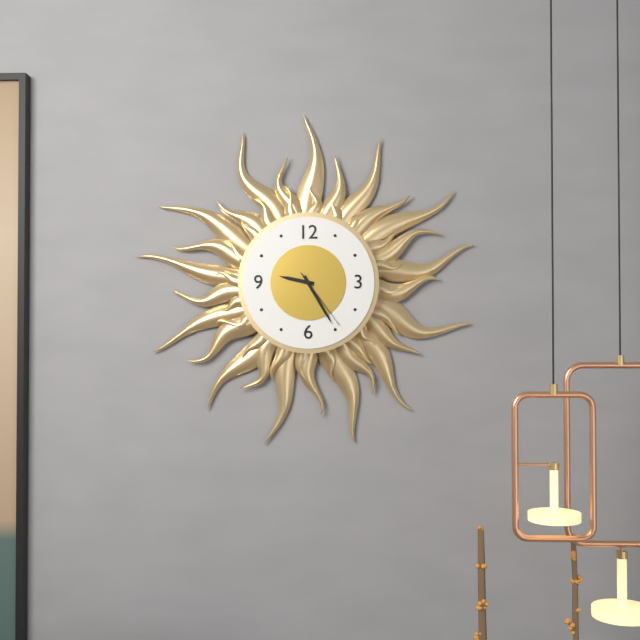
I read 9,25,24
